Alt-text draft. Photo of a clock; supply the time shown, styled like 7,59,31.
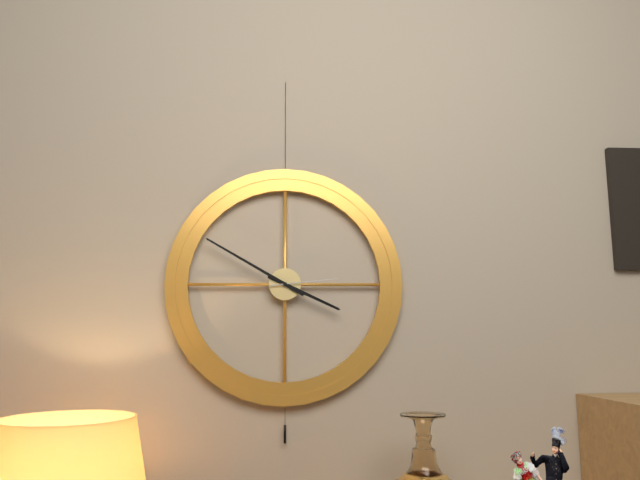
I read 3,50,14
